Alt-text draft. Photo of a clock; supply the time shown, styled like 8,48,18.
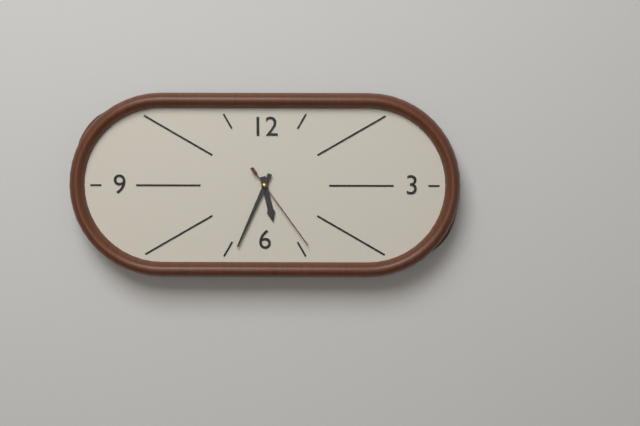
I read 5,34,24
